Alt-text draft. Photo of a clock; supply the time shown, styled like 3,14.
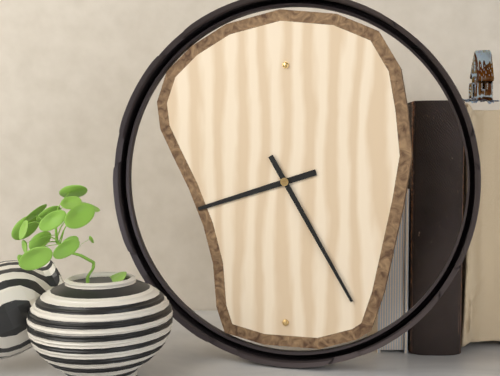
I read 8,25
